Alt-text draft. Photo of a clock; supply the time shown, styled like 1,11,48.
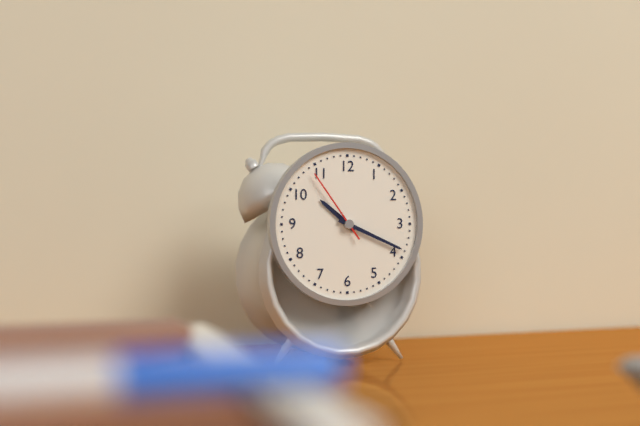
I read 10,19,54
